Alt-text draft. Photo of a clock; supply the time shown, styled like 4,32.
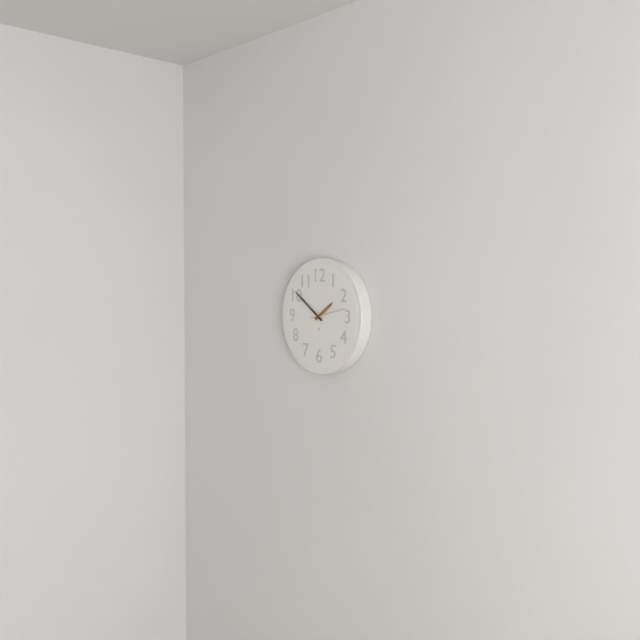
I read 1,51
